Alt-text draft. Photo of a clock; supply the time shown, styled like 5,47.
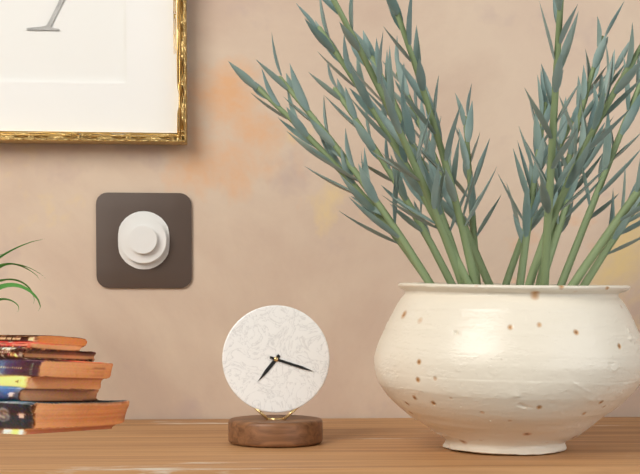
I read 7,18
